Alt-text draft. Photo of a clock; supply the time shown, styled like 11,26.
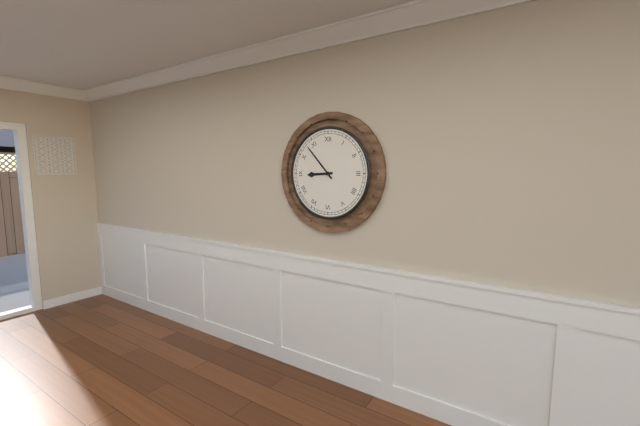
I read 8,53
